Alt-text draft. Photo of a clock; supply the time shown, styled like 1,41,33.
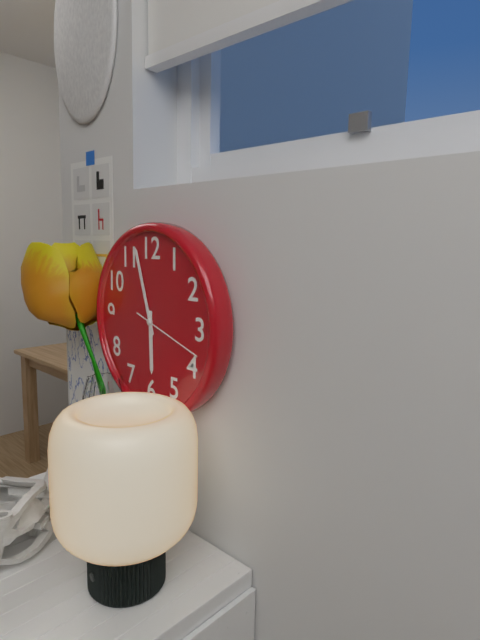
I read 5,57,18
